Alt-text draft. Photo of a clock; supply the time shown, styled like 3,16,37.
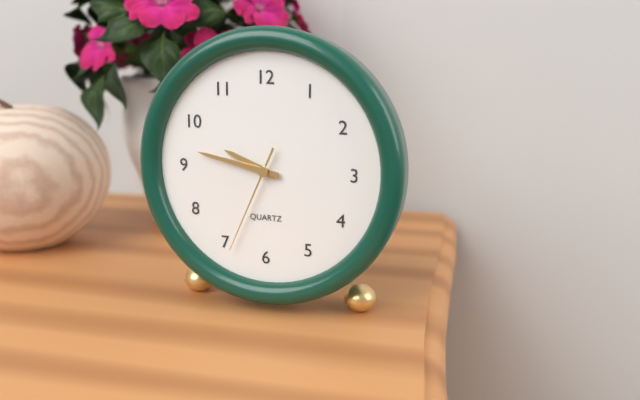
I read 9,47,34
